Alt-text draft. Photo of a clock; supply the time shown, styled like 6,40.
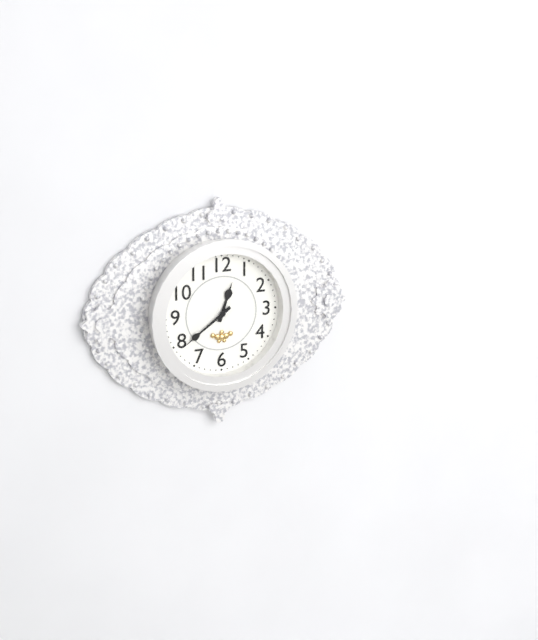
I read 12,39
